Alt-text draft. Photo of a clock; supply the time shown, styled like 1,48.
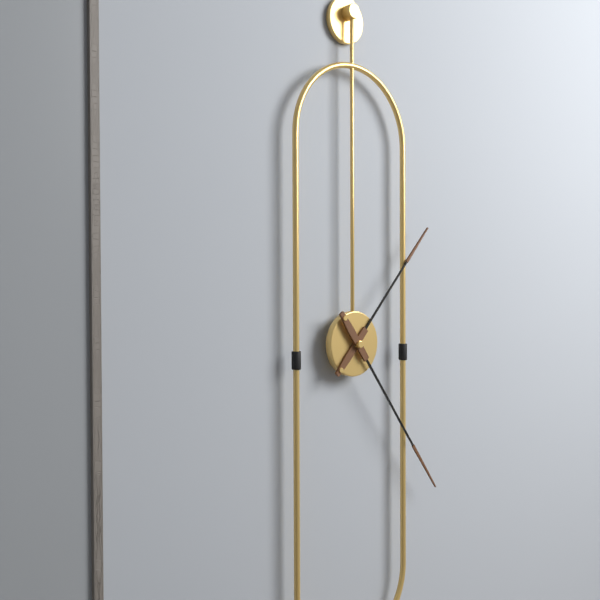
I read 1,24
